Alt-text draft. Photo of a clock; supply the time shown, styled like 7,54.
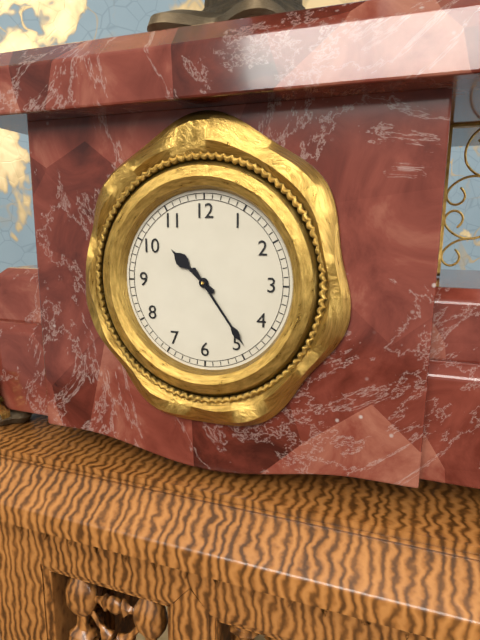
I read 10,24
